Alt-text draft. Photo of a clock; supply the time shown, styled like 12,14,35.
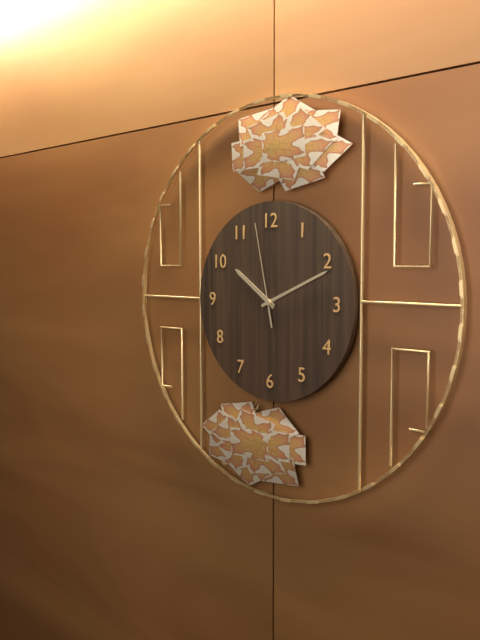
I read 10,11,58
